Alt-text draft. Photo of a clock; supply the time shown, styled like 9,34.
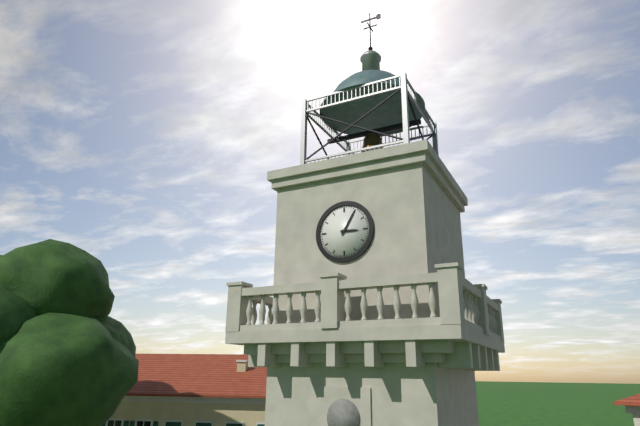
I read 3,05
